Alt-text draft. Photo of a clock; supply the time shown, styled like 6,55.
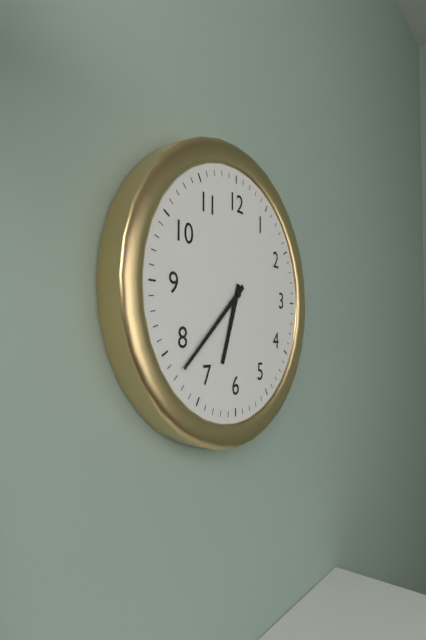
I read 6,38
